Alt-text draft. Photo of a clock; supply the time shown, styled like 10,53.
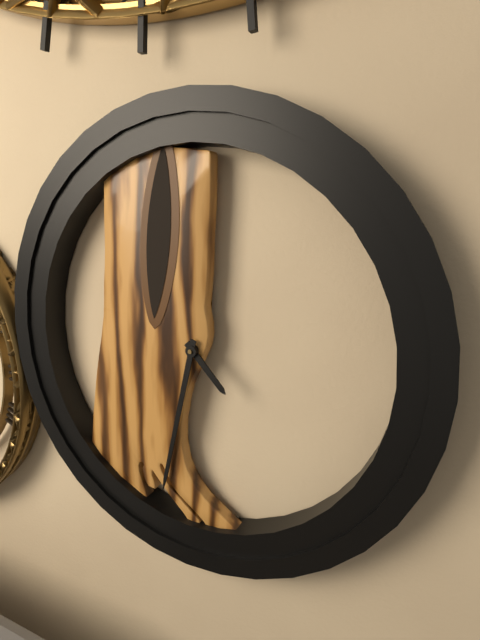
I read 4,32
